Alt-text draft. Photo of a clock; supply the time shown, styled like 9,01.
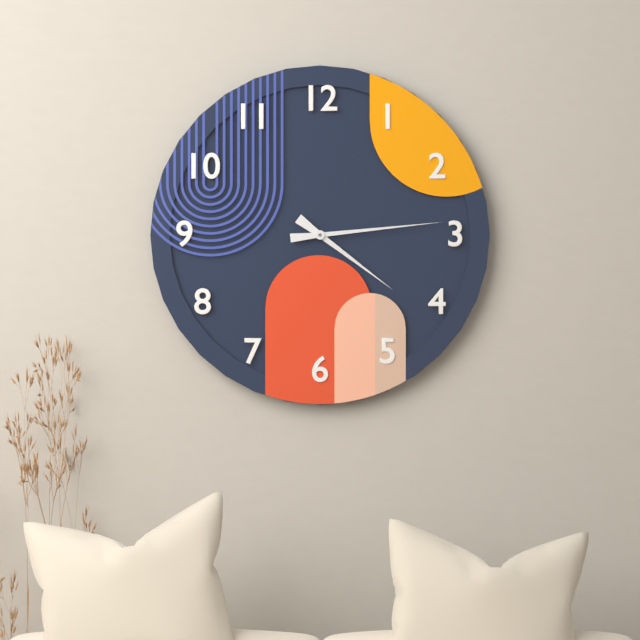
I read 4,14
